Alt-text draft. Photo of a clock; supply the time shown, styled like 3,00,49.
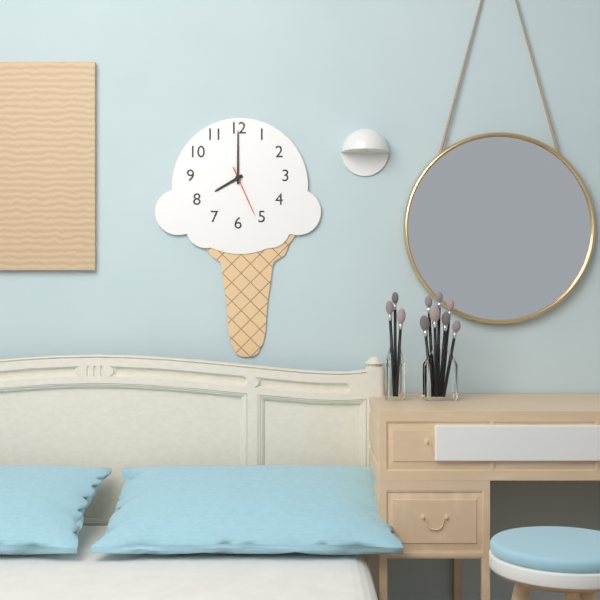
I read 8,00,26
